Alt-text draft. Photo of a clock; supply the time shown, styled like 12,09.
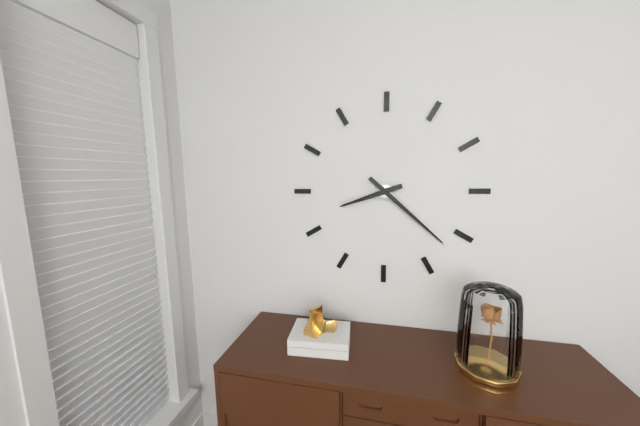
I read 8,22
